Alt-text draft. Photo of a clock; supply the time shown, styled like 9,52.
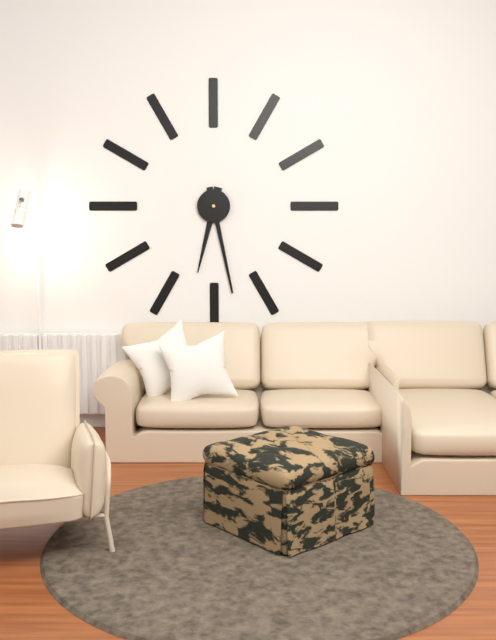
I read 6,28
